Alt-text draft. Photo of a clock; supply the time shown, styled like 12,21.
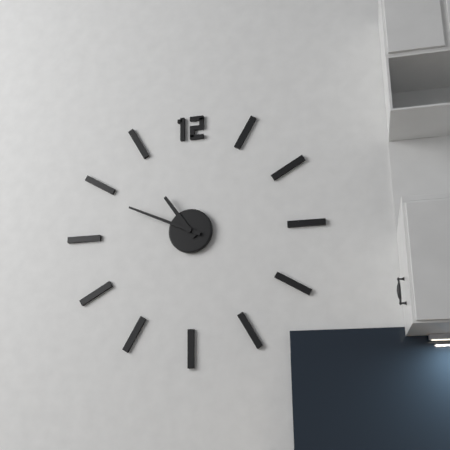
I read 10,49
